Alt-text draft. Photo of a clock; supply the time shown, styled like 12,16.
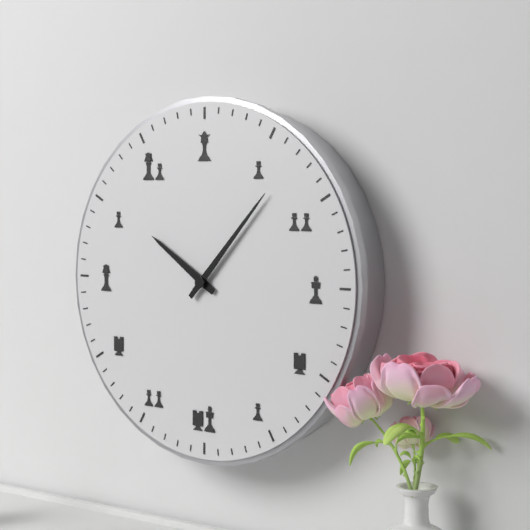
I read 10,07
